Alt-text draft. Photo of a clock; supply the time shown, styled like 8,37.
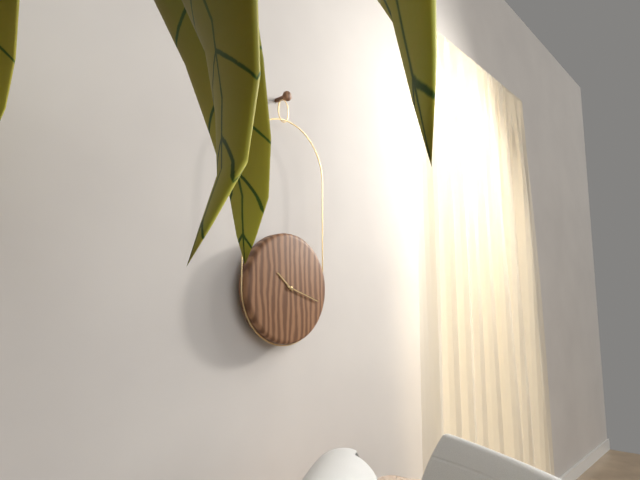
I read 10,18
